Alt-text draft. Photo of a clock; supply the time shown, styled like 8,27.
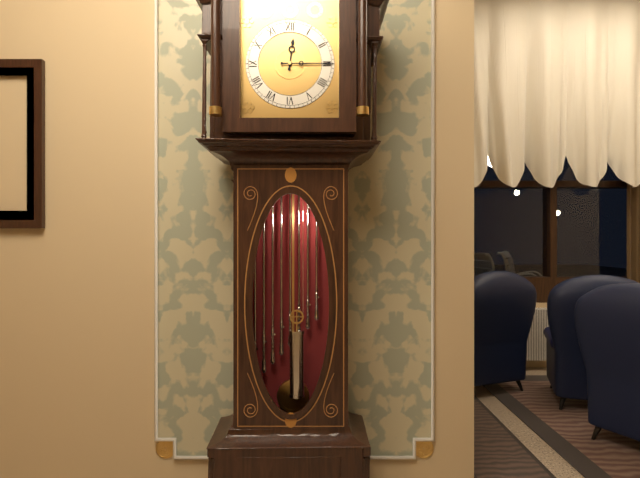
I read 12,15
